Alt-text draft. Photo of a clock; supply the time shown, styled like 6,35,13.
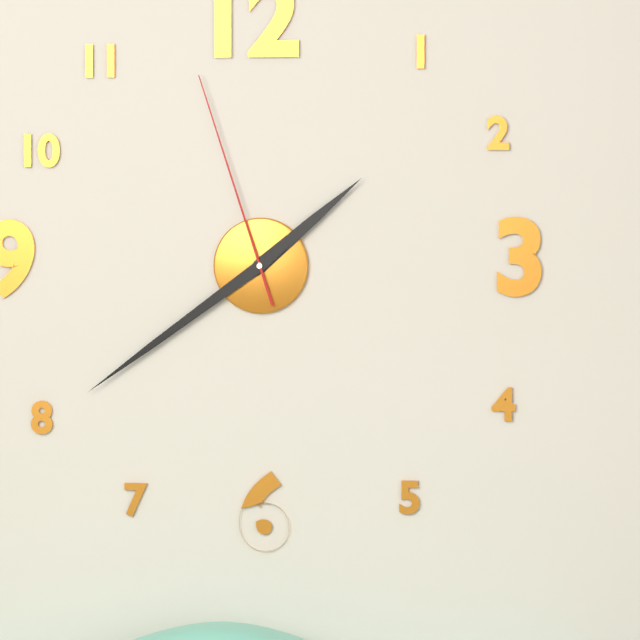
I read 1,39,57
